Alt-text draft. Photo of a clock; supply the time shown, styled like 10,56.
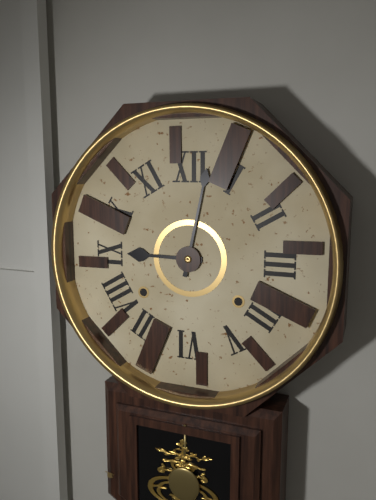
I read 9,02
